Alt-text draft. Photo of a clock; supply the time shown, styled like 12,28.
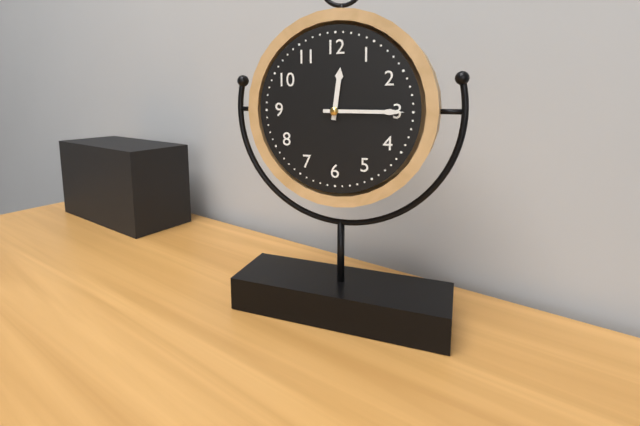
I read 12,15
